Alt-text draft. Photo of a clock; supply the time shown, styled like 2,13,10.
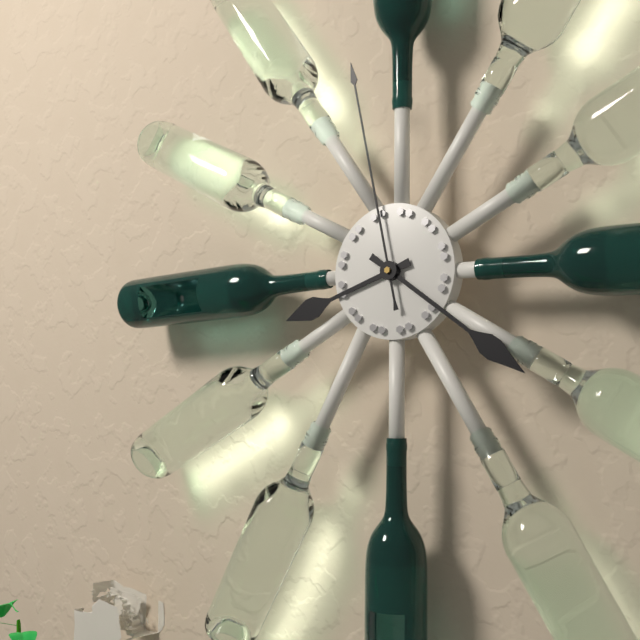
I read 8,21,58
